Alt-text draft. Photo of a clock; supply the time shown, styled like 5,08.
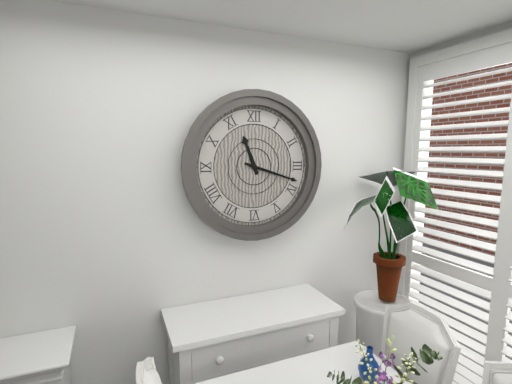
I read 11,18
